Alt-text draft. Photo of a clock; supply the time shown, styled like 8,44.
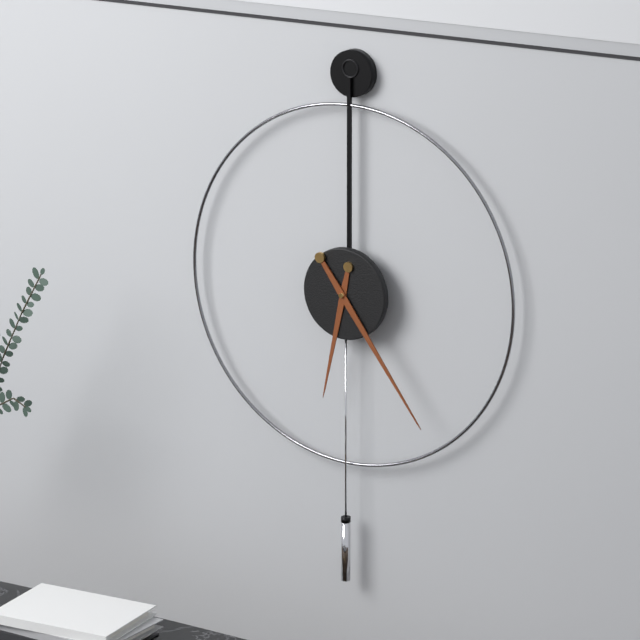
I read 6,24
